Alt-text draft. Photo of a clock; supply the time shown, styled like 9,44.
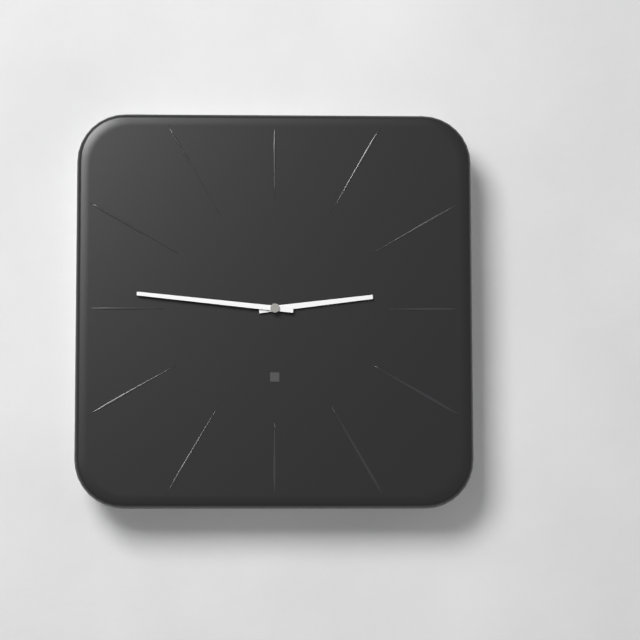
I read 2,46
